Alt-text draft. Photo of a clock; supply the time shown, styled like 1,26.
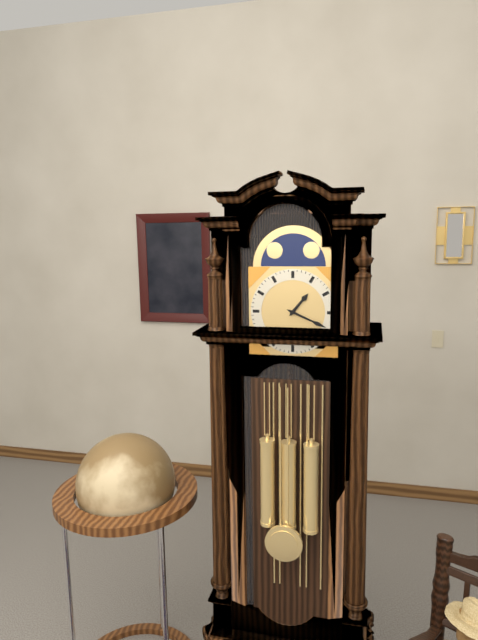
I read 1,19
